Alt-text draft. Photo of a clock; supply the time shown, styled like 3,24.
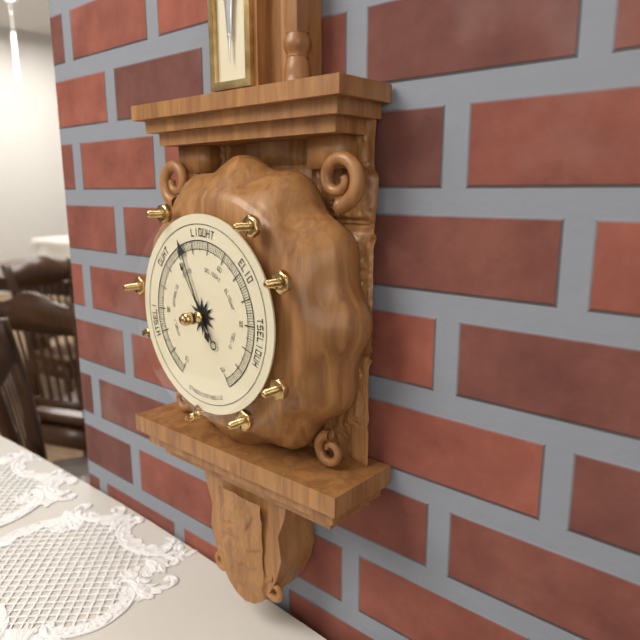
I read 10,56
